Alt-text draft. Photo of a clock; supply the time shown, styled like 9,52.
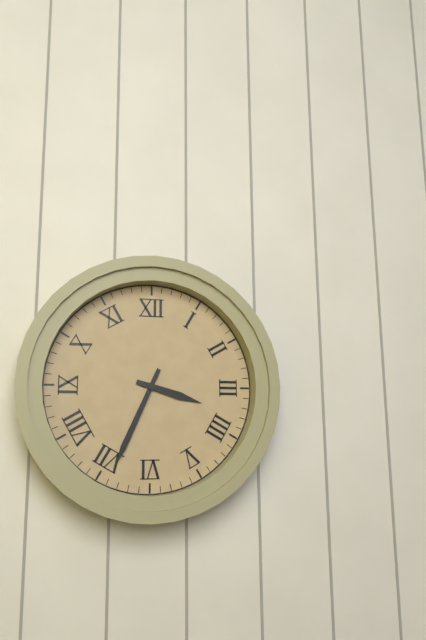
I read 3,34
